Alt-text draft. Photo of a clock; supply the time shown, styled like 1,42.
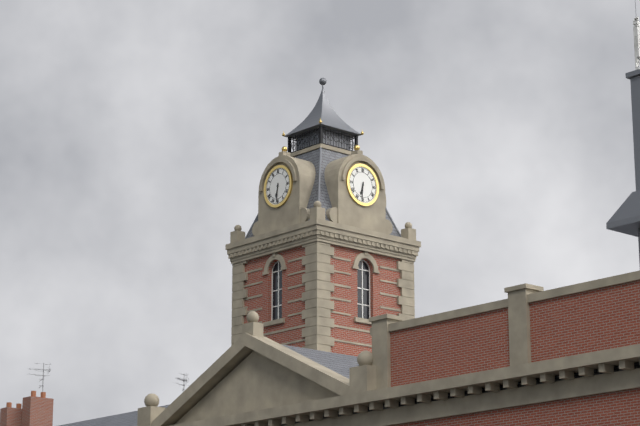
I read 6,31
